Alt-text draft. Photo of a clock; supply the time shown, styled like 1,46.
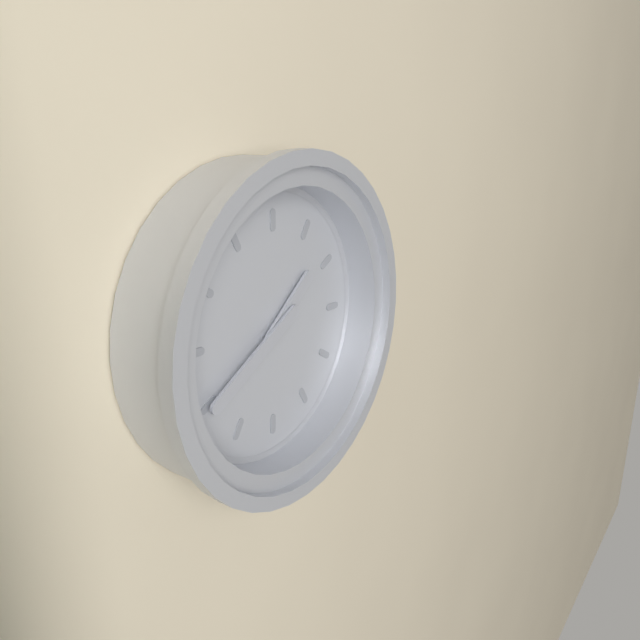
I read 1,40
